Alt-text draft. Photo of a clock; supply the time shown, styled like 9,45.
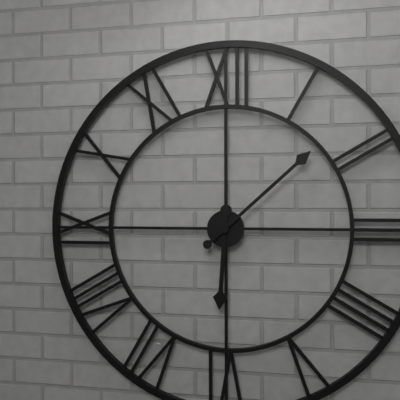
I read 6,08
